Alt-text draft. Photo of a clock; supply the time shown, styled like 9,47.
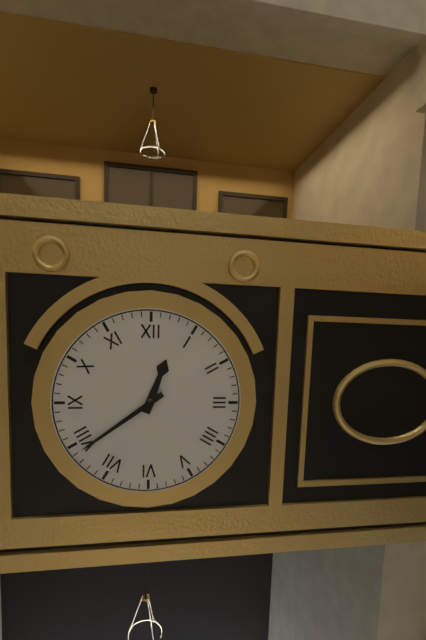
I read 12,39
